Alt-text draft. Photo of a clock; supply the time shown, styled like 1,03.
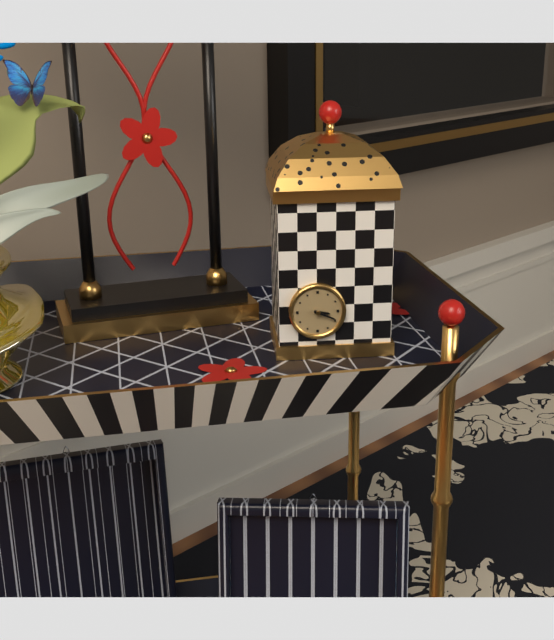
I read 3,19
